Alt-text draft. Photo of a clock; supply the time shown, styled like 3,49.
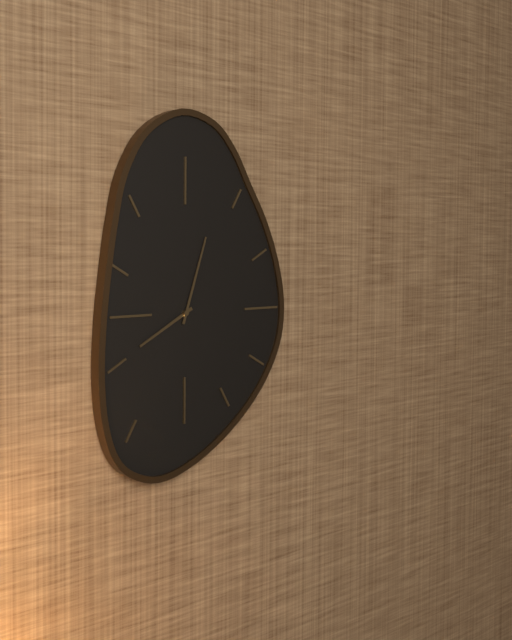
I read 8,03
